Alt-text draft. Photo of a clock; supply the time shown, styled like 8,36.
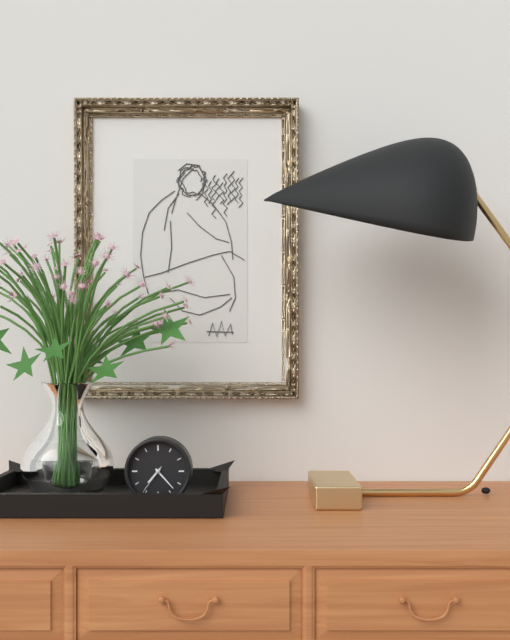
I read 7,23
